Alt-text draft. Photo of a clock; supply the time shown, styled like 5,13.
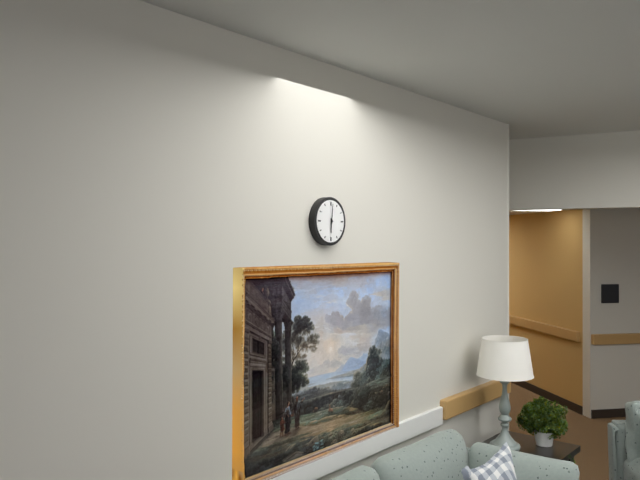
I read 6,01
